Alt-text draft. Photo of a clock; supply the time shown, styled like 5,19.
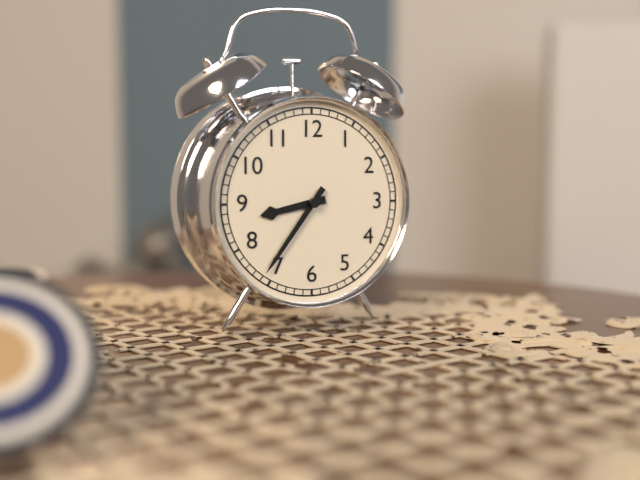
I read 8,36
